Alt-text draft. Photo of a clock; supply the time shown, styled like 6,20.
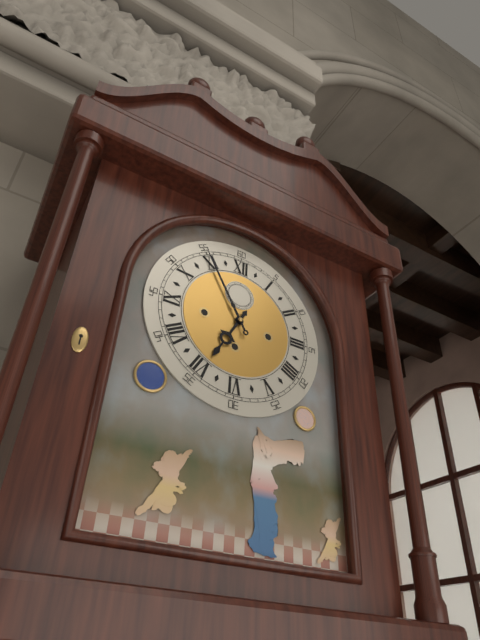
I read 6,55
